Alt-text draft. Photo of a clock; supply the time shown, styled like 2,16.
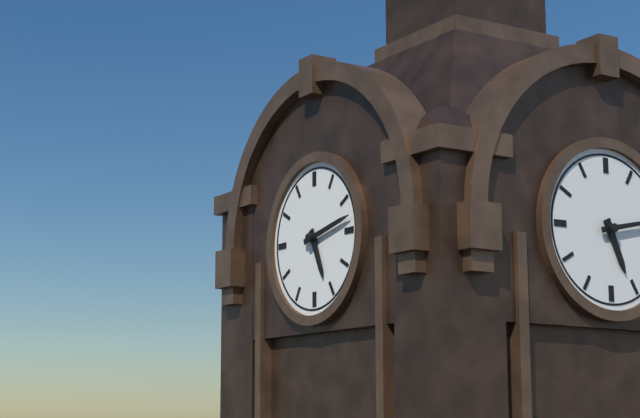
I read 5,13
